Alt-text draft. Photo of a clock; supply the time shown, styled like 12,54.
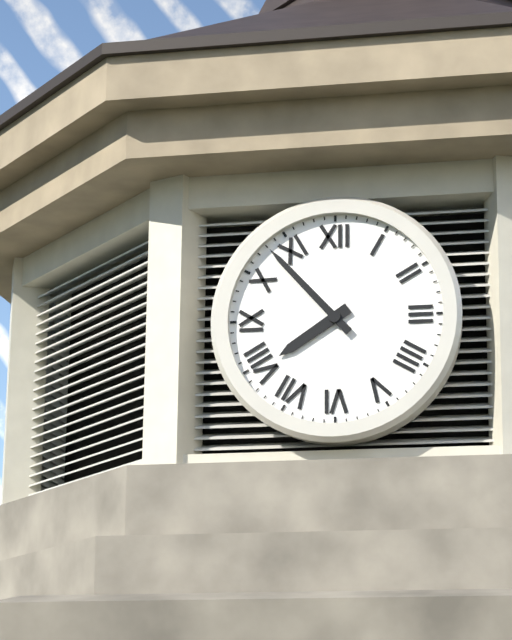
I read 7,53
